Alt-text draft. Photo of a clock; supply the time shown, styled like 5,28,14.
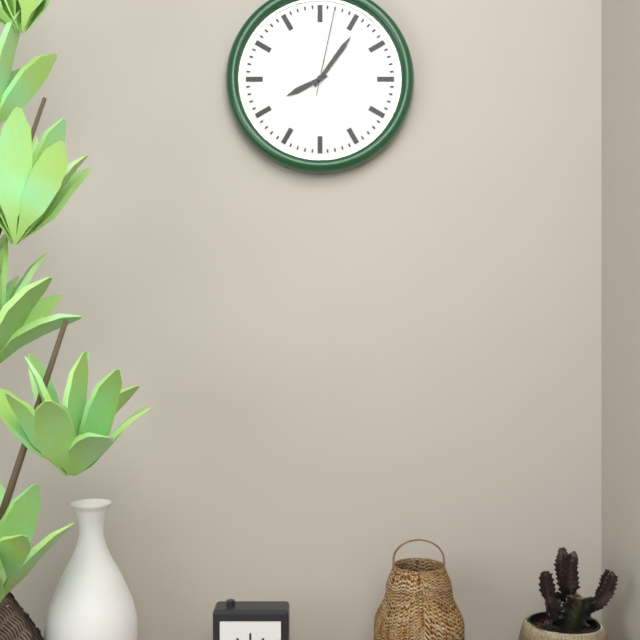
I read 8,06,02
